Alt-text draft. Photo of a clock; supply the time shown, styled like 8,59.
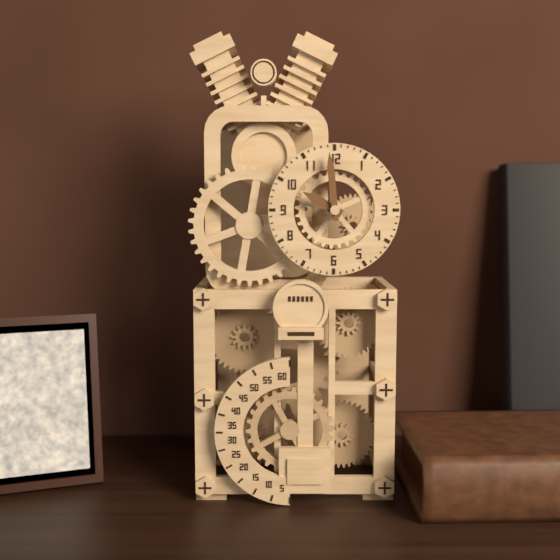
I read 9,59
